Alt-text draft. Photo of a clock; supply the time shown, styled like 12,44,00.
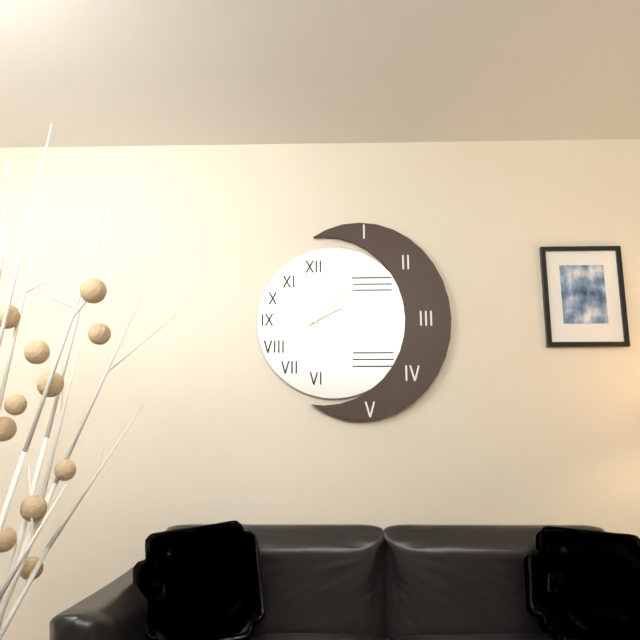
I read 2,08,58
